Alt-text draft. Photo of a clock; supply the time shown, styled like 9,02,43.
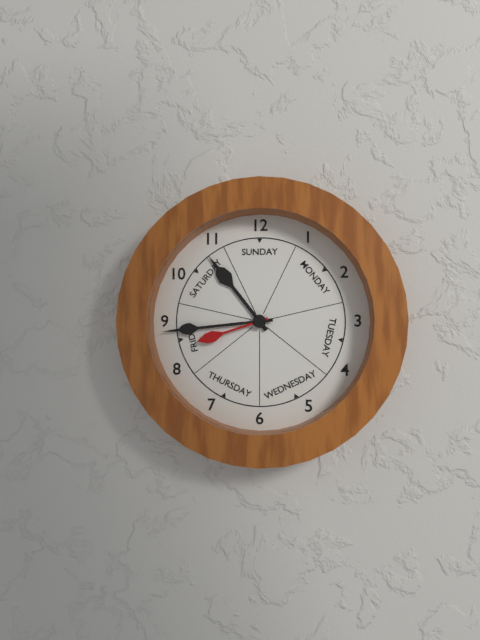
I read 10,44,42
